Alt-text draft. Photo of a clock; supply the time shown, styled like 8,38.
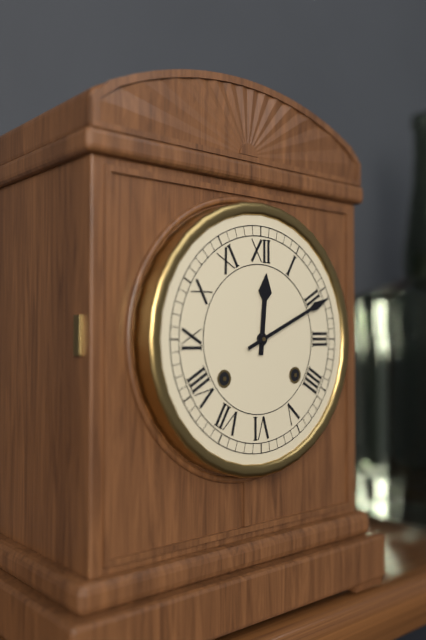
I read 12,11
